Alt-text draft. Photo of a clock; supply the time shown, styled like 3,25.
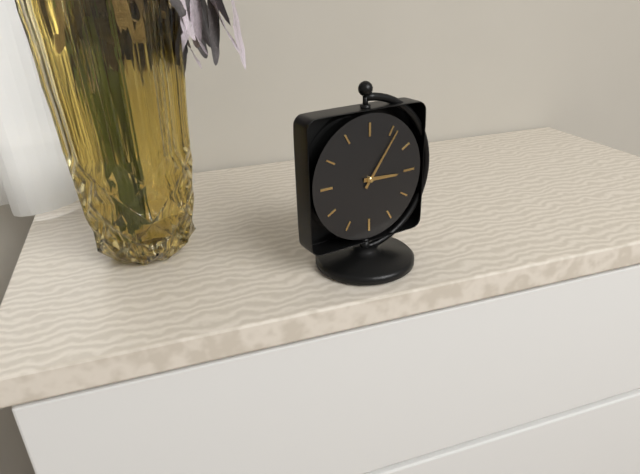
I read 3,06
